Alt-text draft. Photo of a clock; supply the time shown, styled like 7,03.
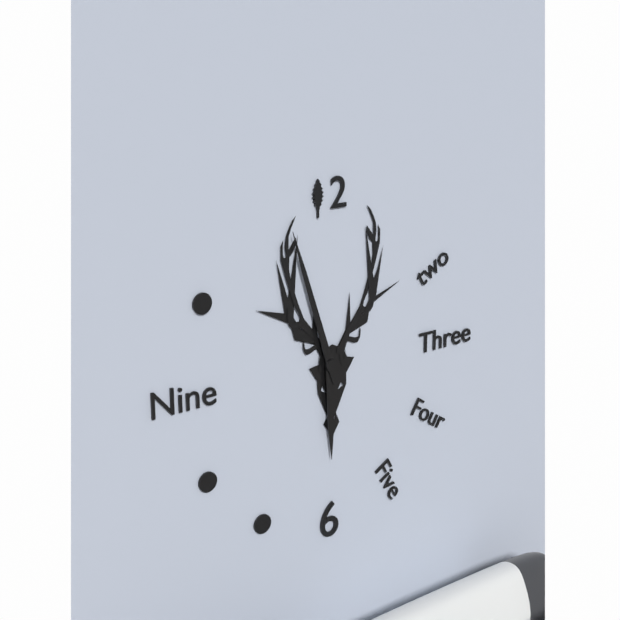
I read 5,57
